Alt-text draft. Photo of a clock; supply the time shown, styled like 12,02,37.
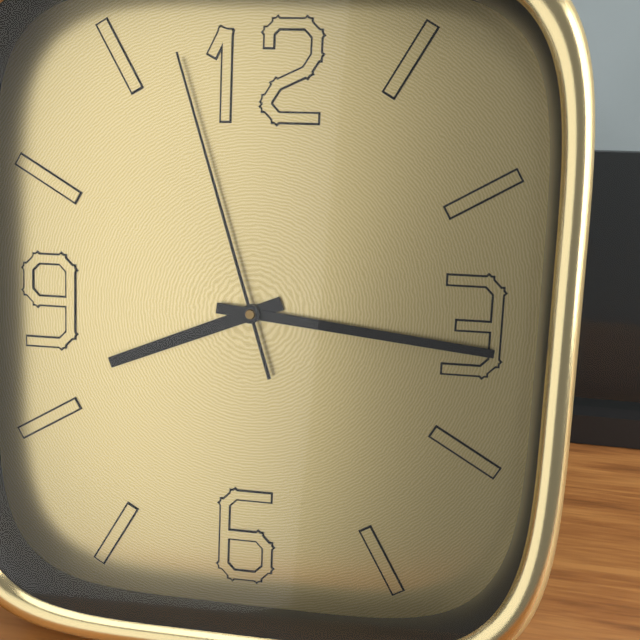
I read 8,16,57
